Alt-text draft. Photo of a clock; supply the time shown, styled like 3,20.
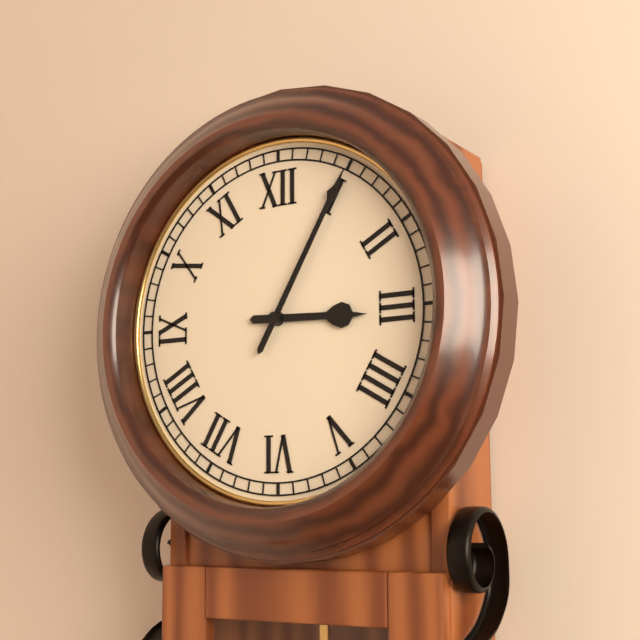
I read 3,05
